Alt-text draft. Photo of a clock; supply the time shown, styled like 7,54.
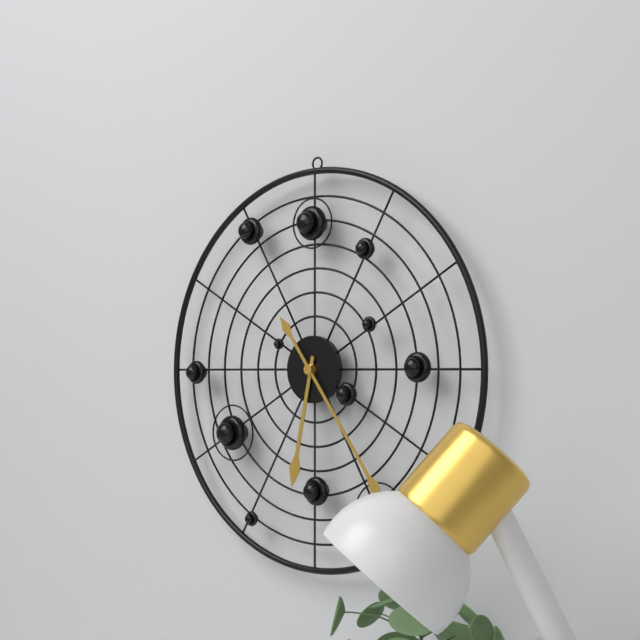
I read 6,24
